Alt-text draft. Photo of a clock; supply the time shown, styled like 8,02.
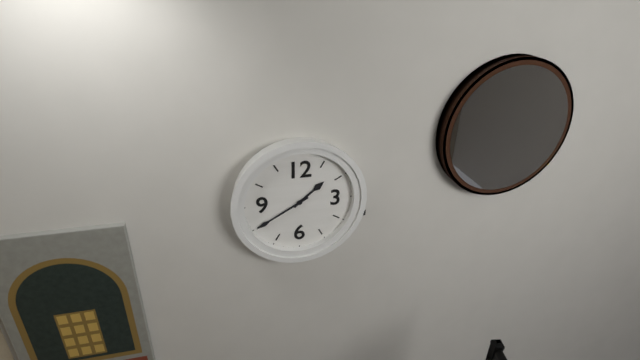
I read 1,40
